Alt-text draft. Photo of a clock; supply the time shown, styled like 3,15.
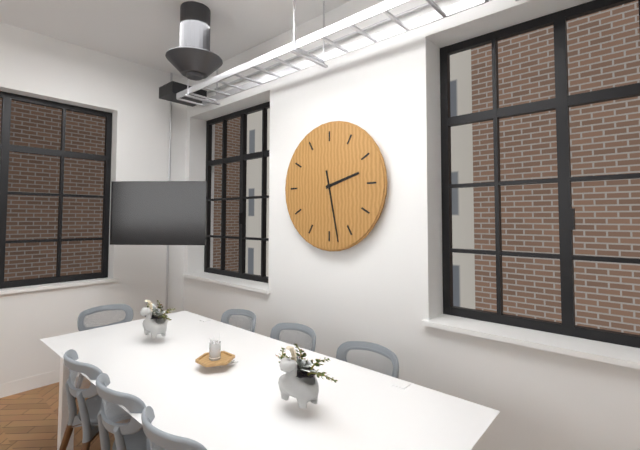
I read 2,28
